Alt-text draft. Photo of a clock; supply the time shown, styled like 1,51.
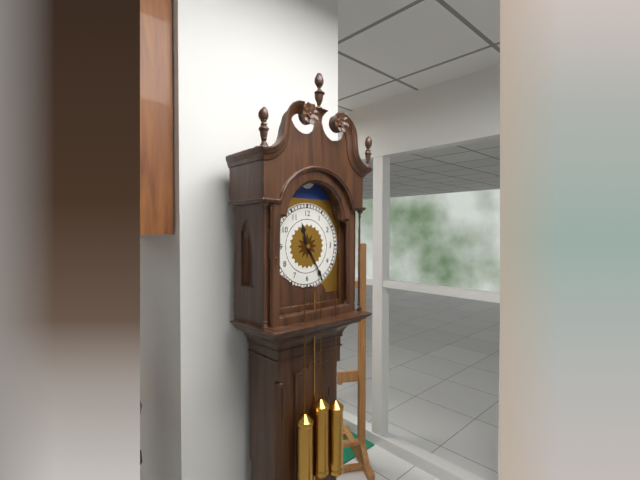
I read 11,25
